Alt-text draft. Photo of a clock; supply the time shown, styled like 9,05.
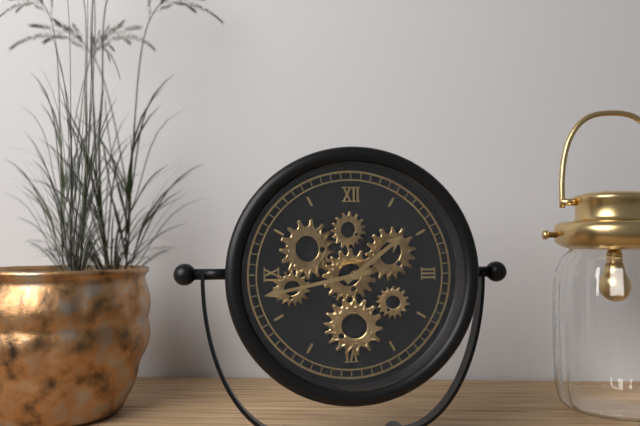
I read 1,43
